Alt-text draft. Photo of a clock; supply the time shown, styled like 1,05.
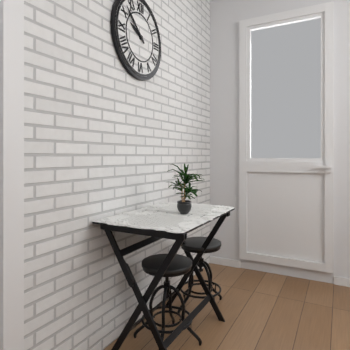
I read 9,52
